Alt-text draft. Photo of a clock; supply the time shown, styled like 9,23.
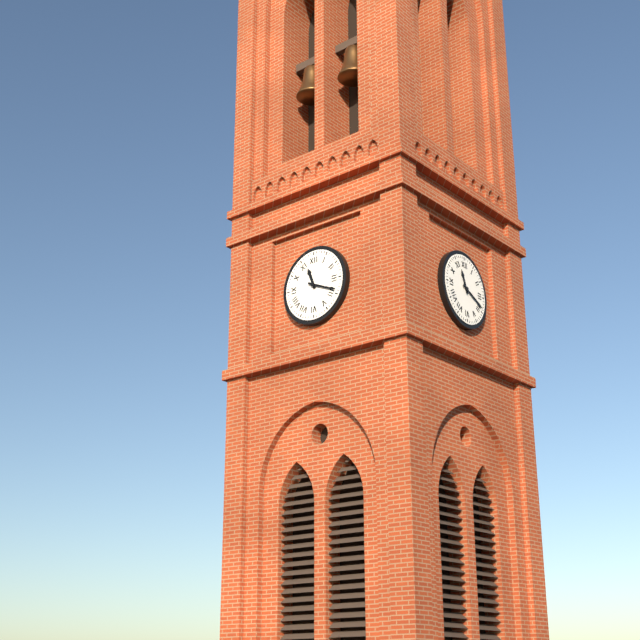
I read 11,19
